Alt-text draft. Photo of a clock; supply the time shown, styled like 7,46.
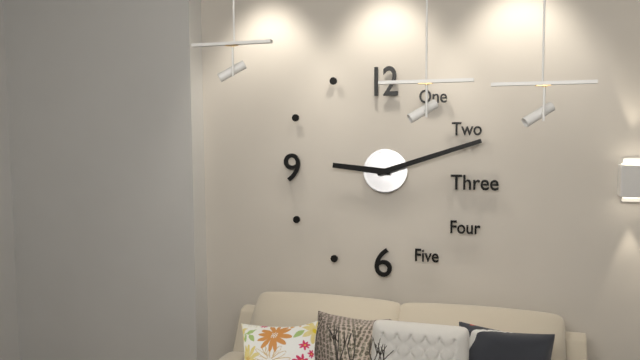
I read 9,12
